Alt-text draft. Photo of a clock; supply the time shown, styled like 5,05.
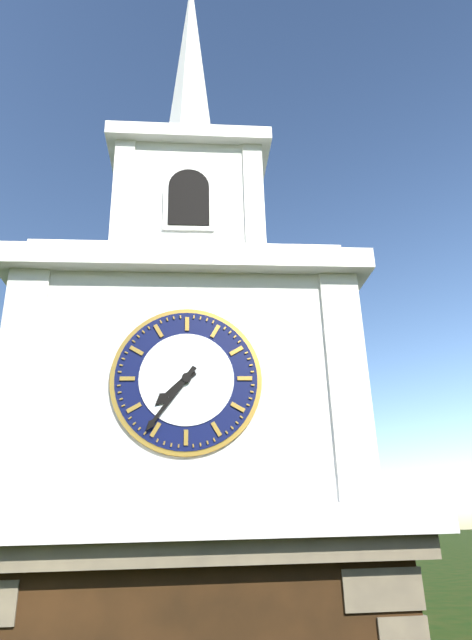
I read 7,36
